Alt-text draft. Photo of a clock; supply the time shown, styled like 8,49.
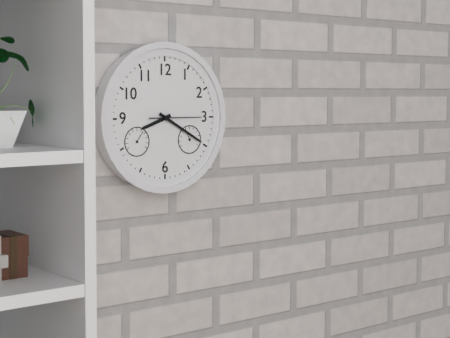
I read 8,20
